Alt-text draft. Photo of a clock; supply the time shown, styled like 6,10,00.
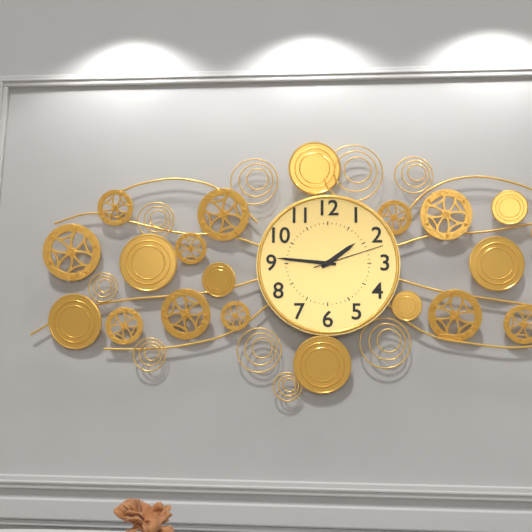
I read 1,46,12
